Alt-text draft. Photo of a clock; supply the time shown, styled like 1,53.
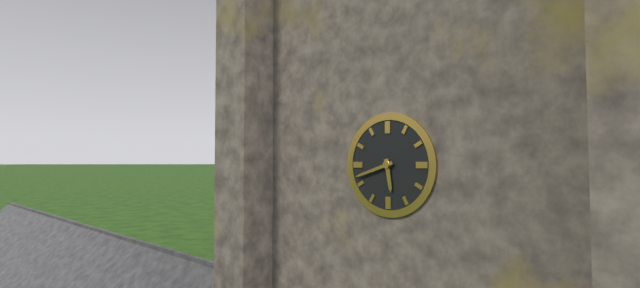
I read 5,42
